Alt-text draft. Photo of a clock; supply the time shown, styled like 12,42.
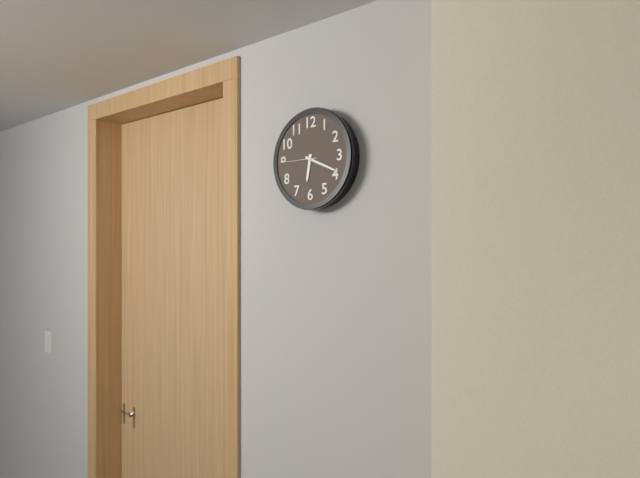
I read 6,19
